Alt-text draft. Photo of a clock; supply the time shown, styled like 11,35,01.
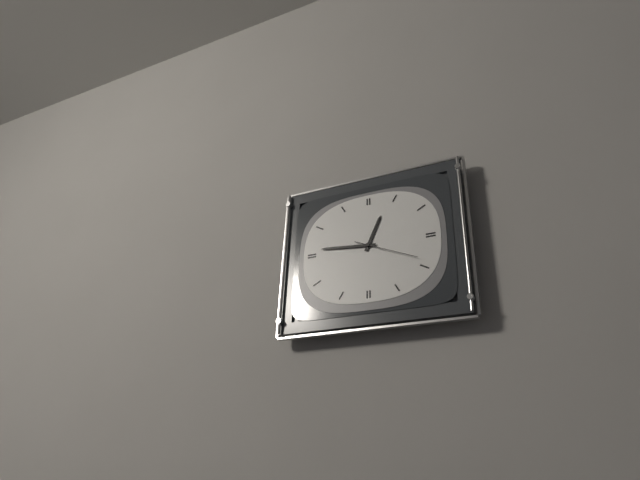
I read 12,46,19
